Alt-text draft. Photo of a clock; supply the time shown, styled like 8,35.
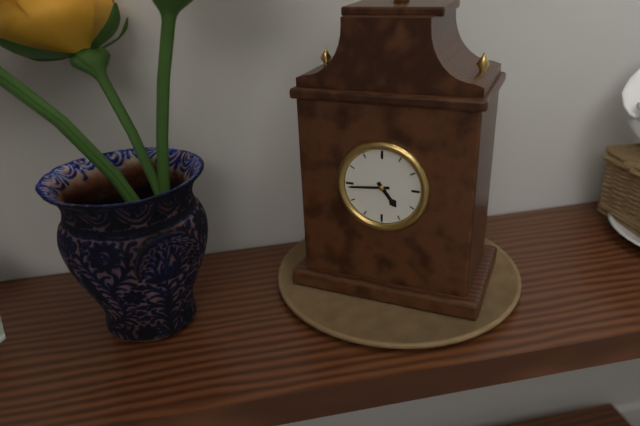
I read 4,44
